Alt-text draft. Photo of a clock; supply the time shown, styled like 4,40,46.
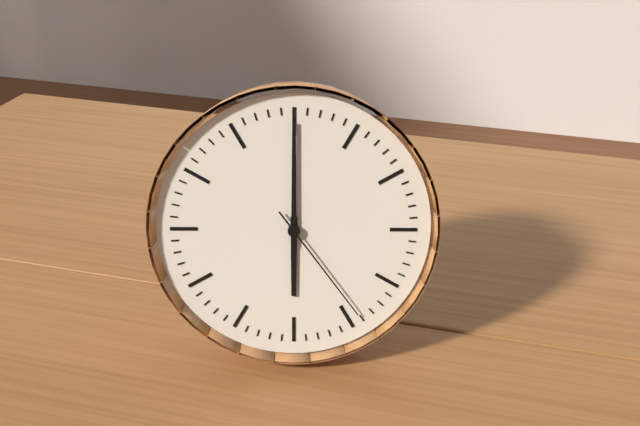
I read 6,00,24
